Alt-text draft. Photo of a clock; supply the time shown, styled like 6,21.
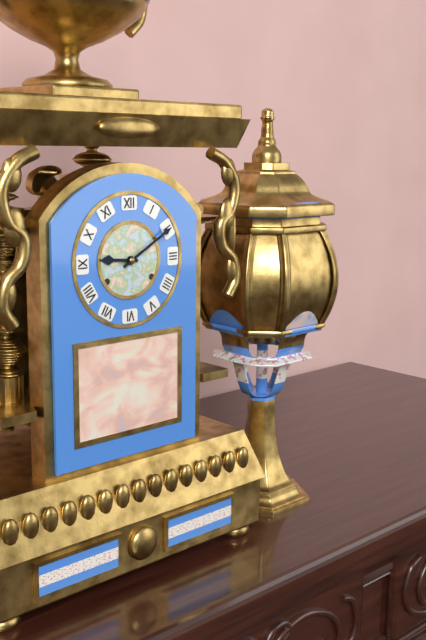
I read 9,10
